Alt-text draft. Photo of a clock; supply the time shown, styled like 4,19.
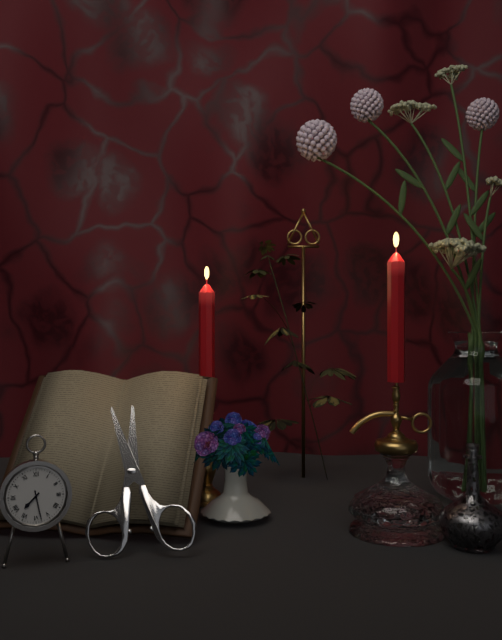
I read 7,28
